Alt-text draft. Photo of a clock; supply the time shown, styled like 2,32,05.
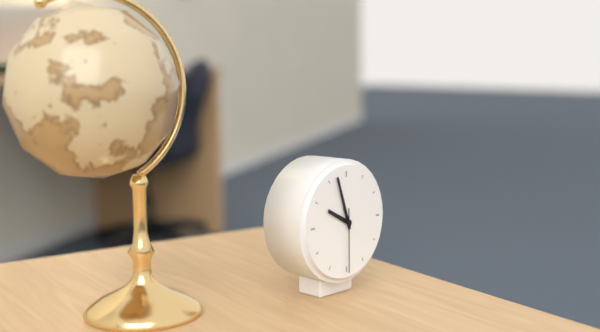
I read 9,57,30
